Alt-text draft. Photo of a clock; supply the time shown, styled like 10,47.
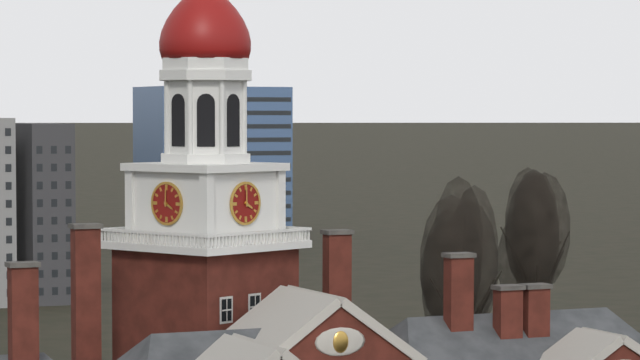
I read 4,00
